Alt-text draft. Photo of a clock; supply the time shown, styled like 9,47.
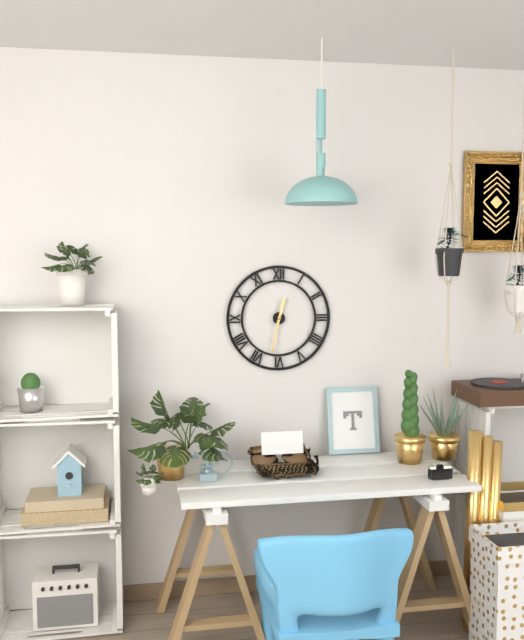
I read 12,32
